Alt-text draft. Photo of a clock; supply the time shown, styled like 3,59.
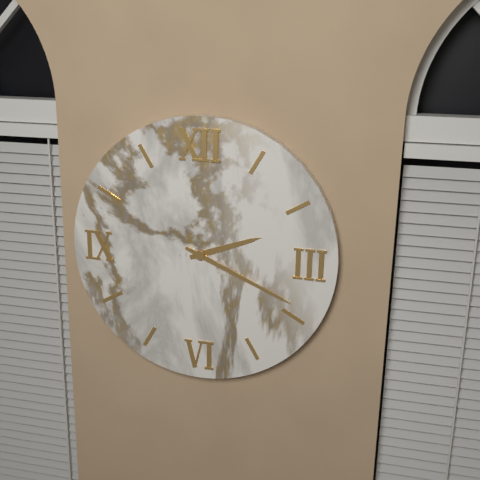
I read 2,19
